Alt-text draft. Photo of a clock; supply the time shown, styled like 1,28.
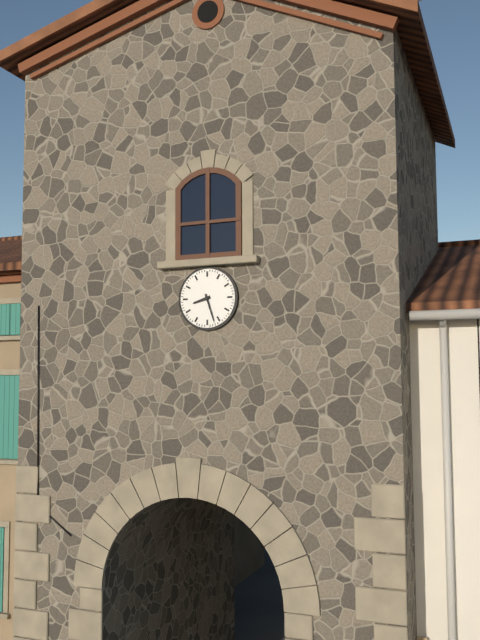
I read 8,27
